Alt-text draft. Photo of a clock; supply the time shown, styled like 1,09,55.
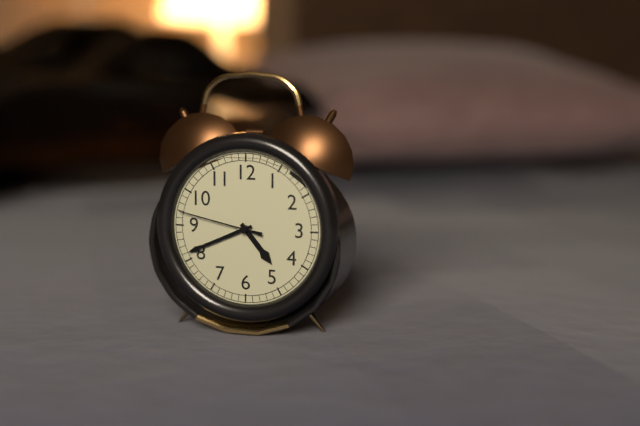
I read 4,41,47
